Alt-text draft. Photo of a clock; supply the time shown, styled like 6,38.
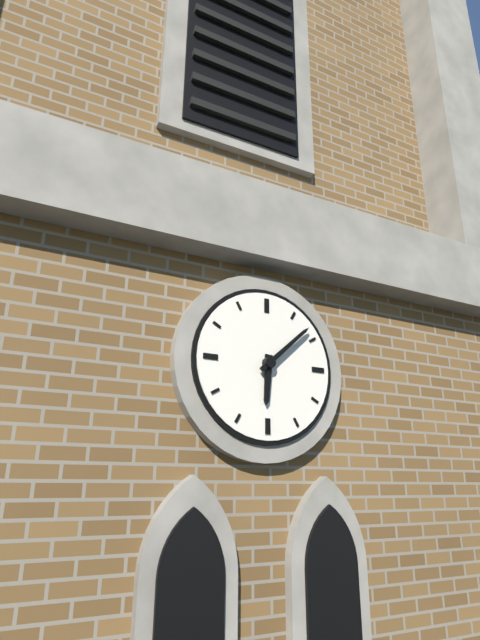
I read 6,08
